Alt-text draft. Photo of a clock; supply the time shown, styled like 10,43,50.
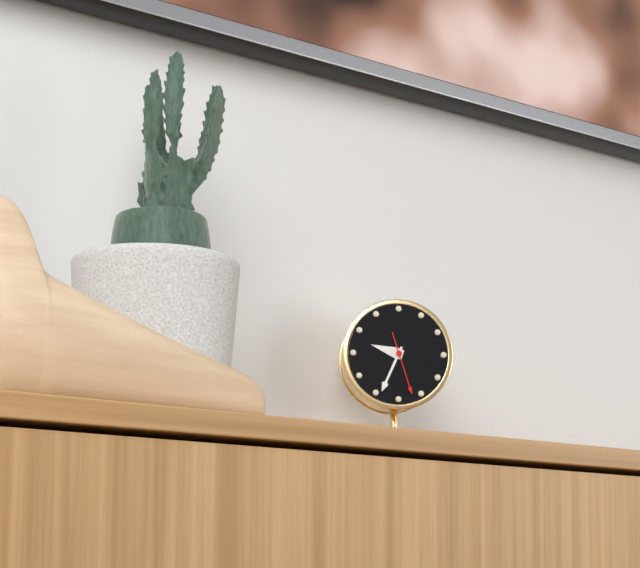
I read 9,34,27
